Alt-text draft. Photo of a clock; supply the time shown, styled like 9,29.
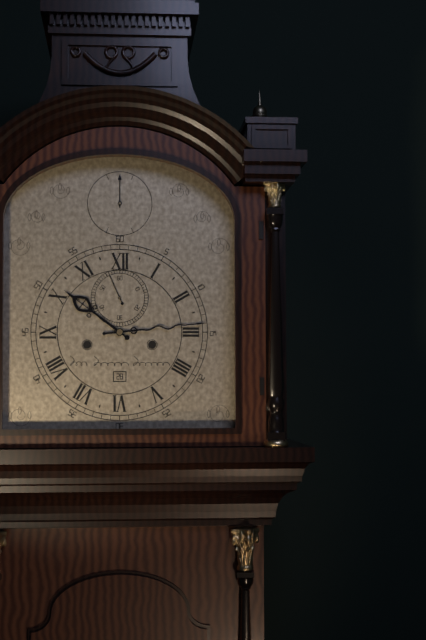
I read 10,14
